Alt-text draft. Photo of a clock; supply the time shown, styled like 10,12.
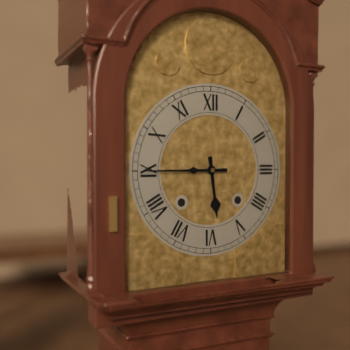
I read 5,45
